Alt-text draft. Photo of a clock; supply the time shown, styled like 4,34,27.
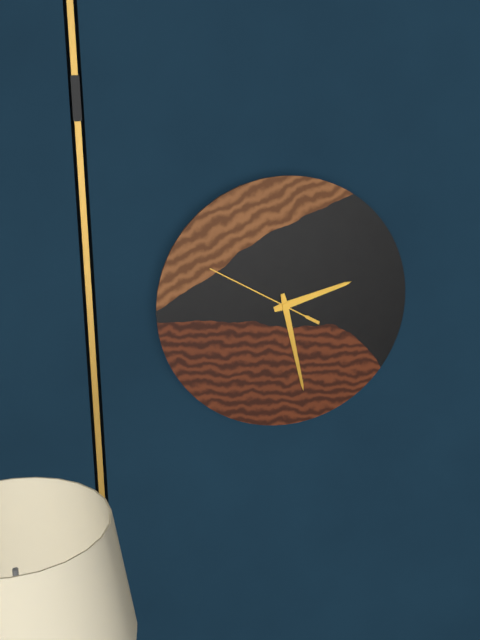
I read 2,28,50
